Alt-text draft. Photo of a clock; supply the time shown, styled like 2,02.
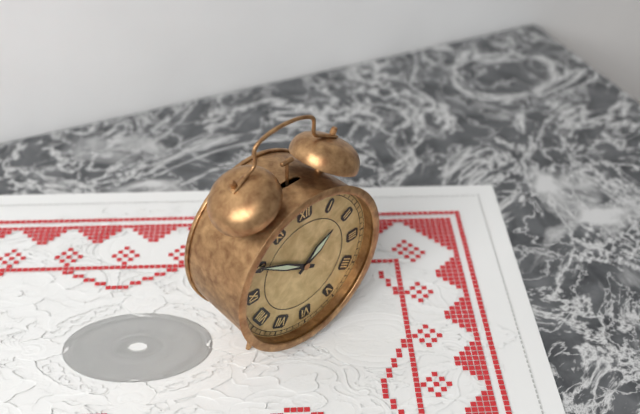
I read 1,50
